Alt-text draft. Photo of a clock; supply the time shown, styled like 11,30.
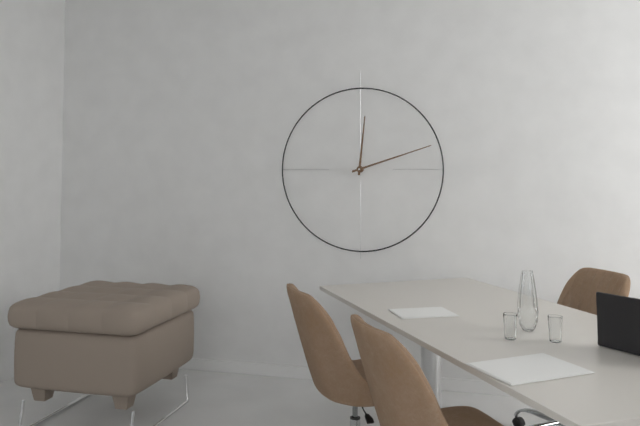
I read 12,12
